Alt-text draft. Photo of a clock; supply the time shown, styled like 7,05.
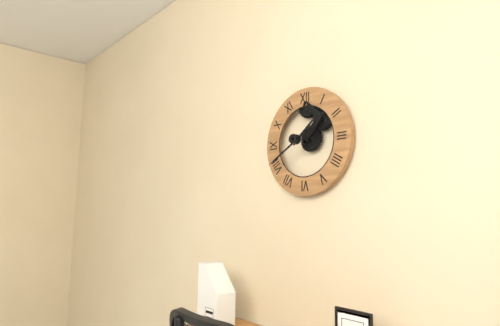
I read 1,40
